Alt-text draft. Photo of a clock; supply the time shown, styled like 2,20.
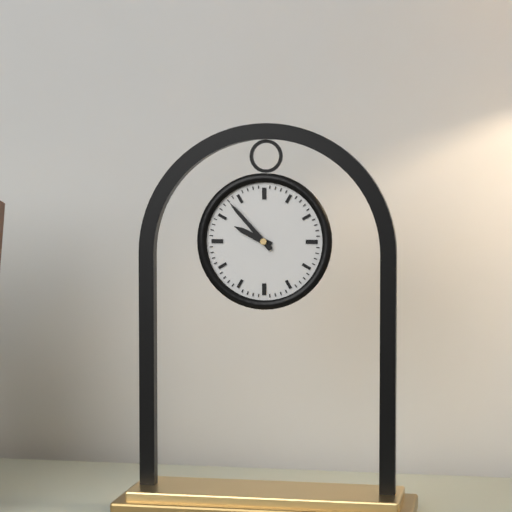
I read 9,53
